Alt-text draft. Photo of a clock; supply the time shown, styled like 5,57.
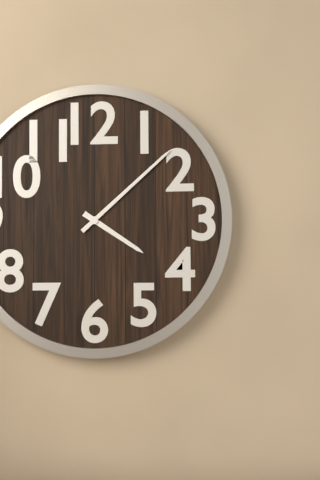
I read 4,08
